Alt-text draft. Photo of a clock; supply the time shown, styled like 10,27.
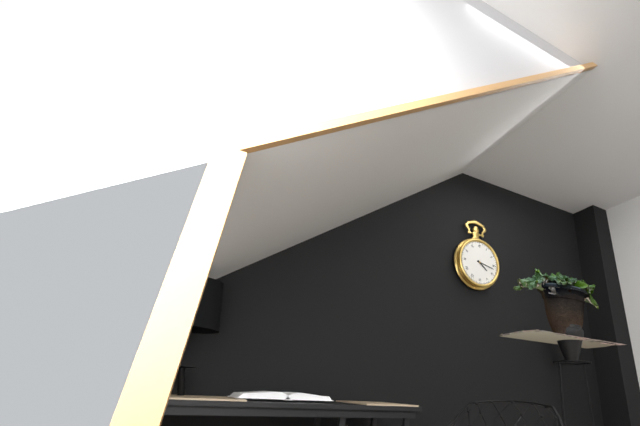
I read 4,17
